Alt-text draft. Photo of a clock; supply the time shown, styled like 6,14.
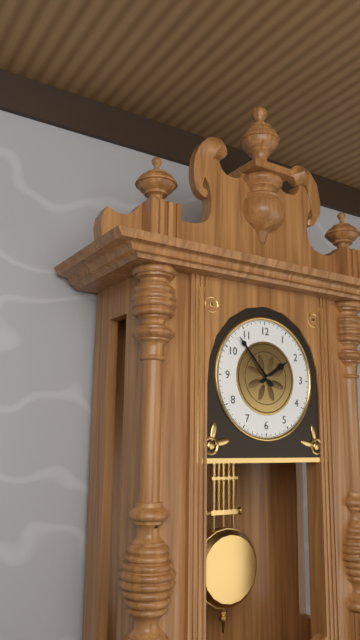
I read 1,53
